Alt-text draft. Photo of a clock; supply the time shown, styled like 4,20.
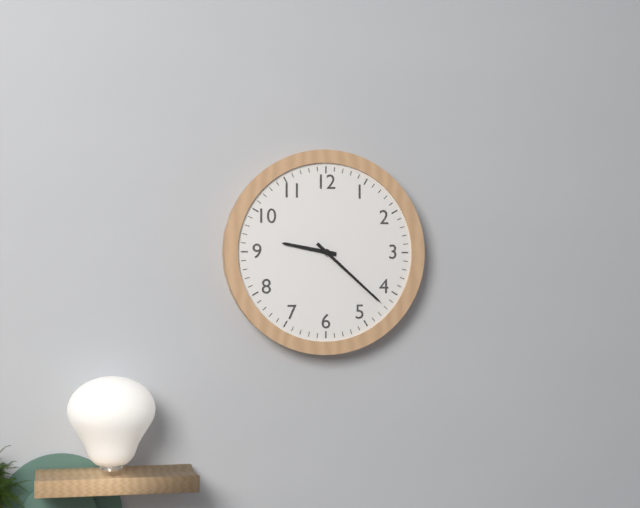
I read 9,22
